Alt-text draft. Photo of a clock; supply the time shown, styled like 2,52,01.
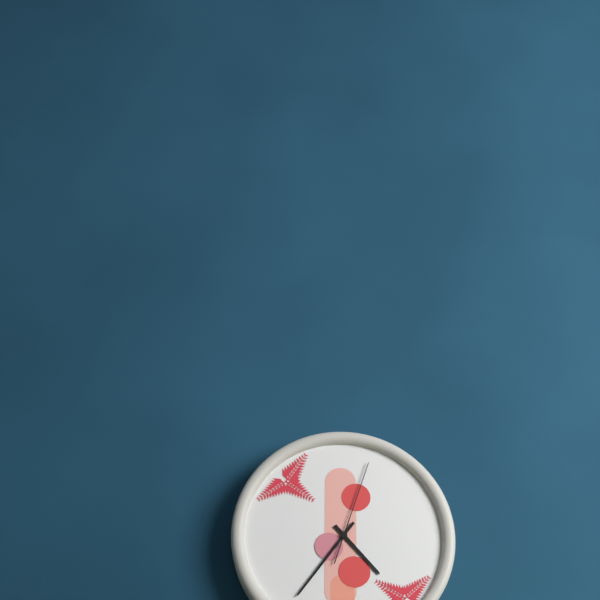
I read 4,36,03
